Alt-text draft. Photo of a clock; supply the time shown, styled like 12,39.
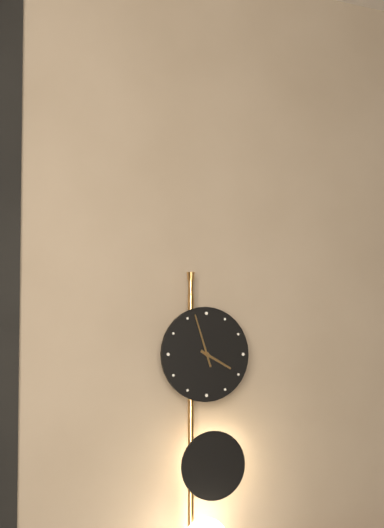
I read 3,57
